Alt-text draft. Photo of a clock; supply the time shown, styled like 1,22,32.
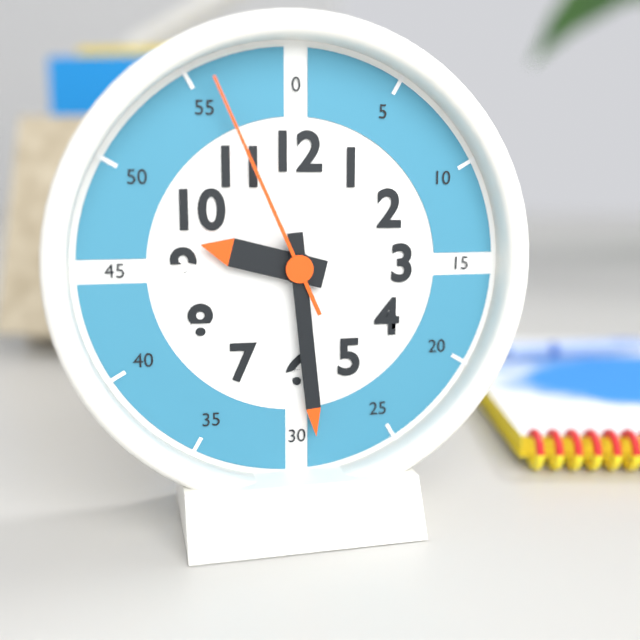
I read 9,29,56
